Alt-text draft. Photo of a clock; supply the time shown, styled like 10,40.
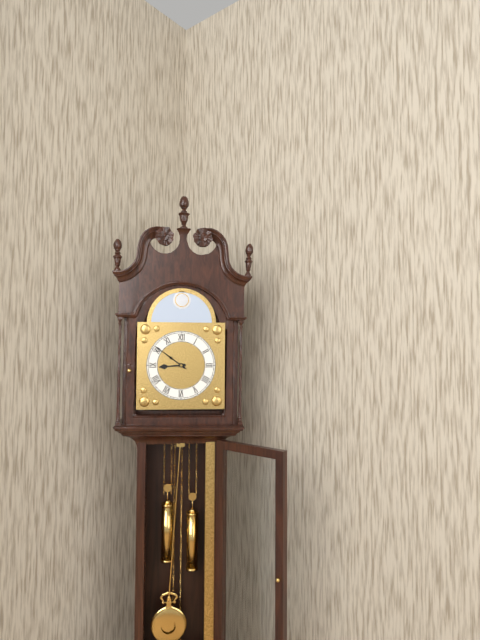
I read 8,51
